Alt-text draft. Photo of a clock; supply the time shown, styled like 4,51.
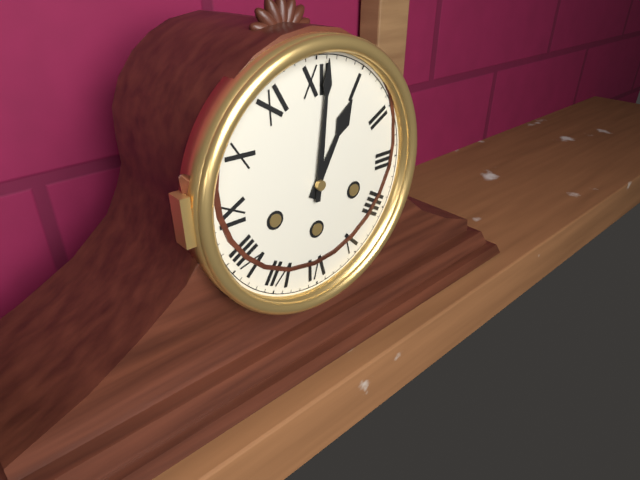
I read 1,01
